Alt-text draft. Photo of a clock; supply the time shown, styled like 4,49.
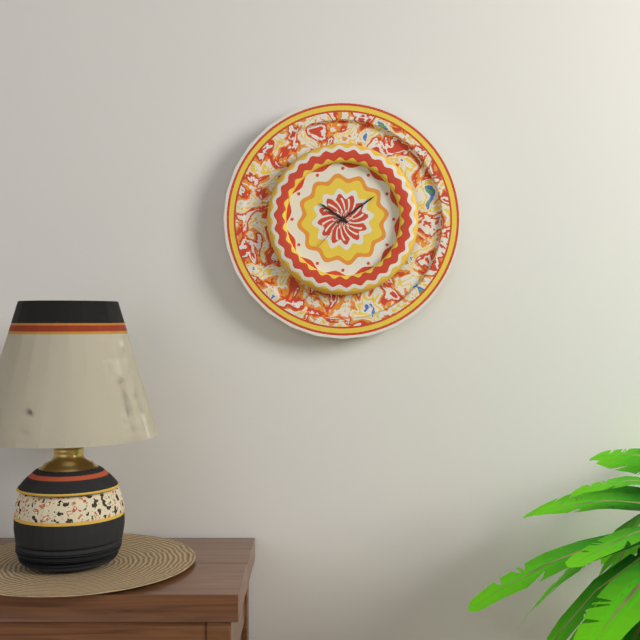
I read 10,09
